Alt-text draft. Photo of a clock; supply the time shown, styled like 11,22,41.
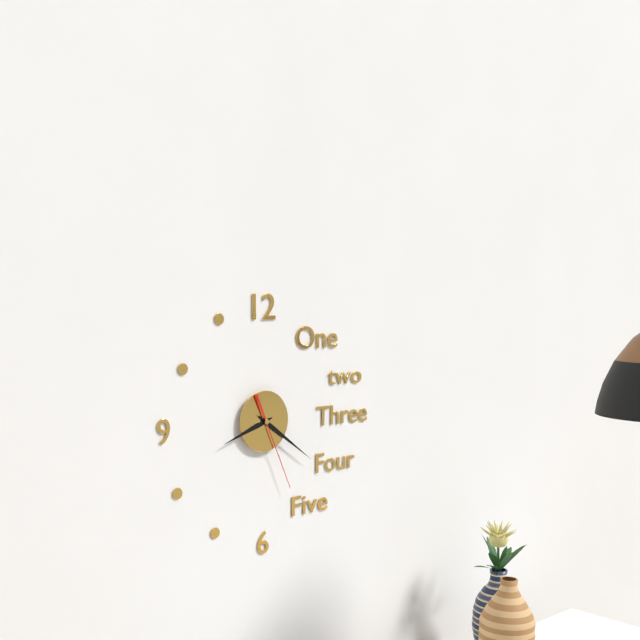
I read 8,21,26
